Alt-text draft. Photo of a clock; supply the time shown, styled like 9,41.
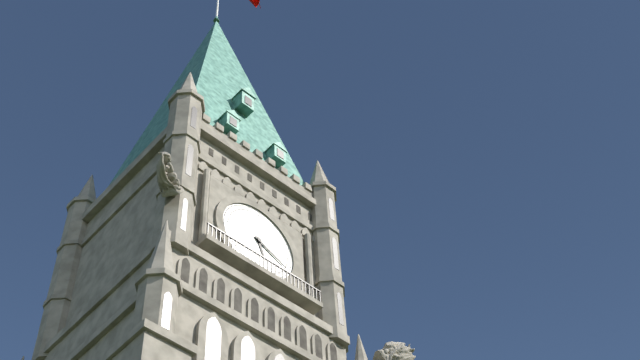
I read 5,19
